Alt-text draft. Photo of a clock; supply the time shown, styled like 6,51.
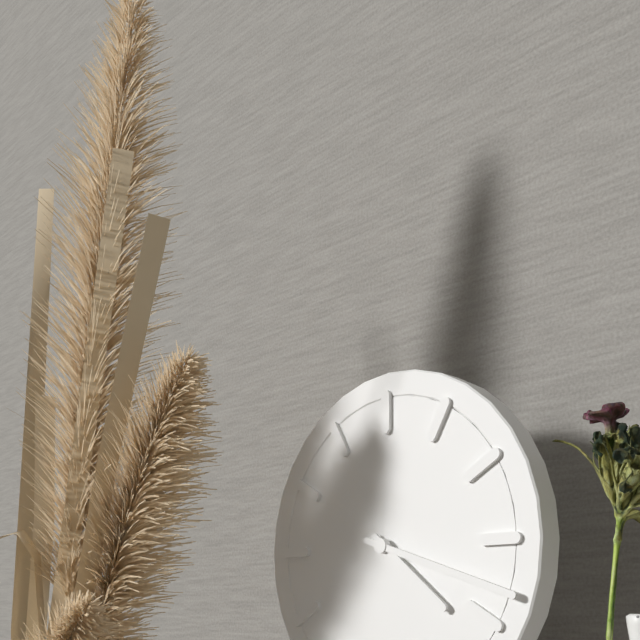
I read 4,18
